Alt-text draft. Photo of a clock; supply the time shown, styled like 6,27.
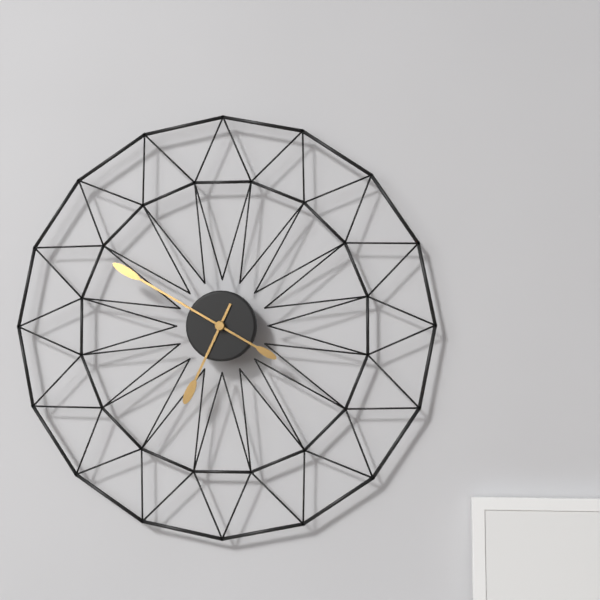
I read 6,50
